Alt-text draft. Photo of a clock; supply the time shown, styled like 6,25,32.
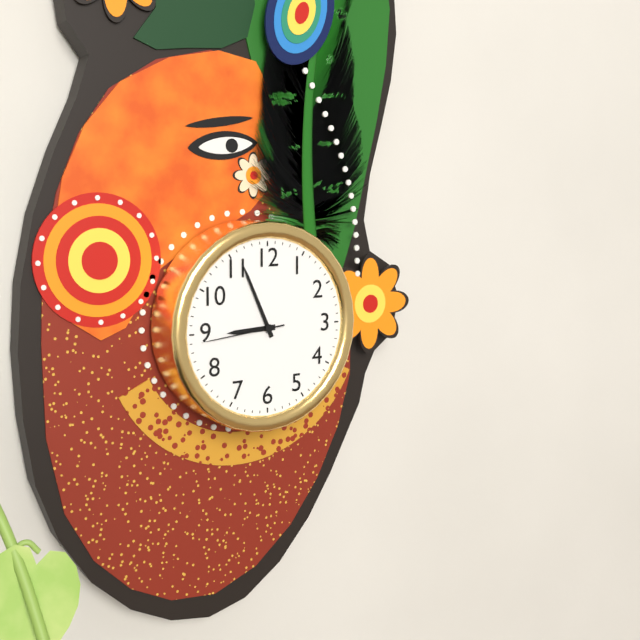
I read 8,56,44
